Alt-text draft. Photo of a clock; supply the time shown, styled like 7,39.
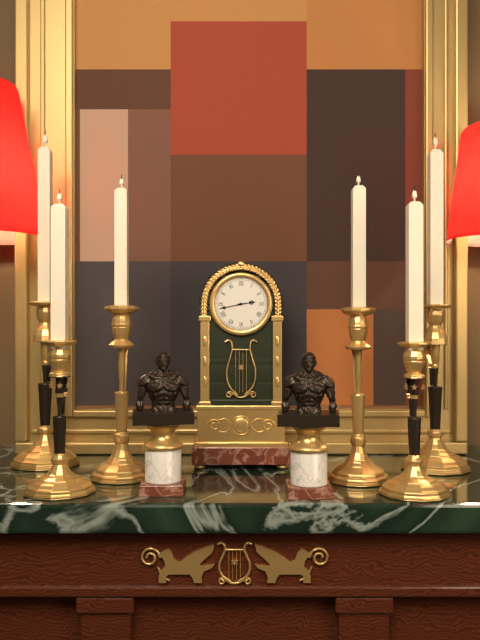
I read 2,43
